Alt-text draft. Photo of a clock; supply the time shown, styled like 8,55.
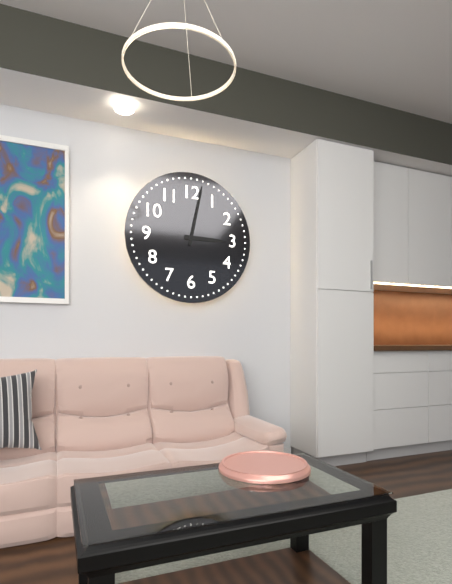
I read 3,02
